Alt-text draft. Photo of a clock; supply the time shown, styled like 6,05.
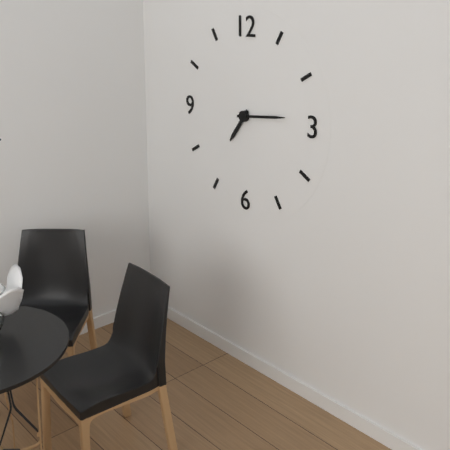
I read 7,14
